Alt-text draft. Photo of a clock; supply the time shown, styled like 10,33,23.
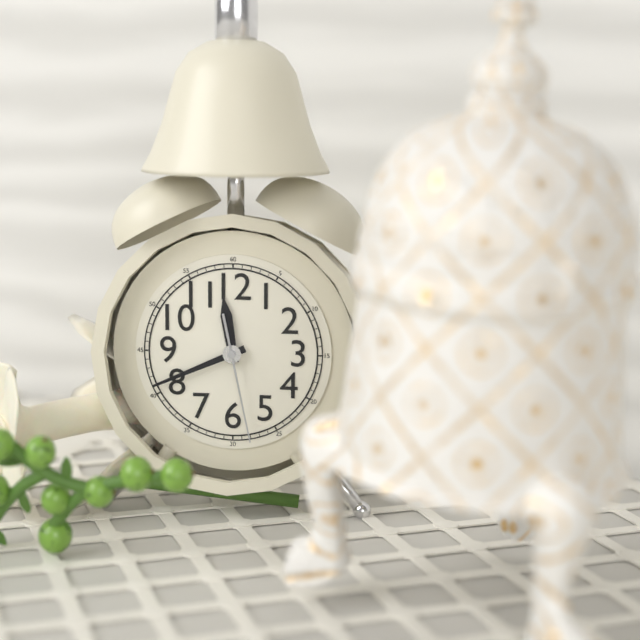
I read 11,41,28
